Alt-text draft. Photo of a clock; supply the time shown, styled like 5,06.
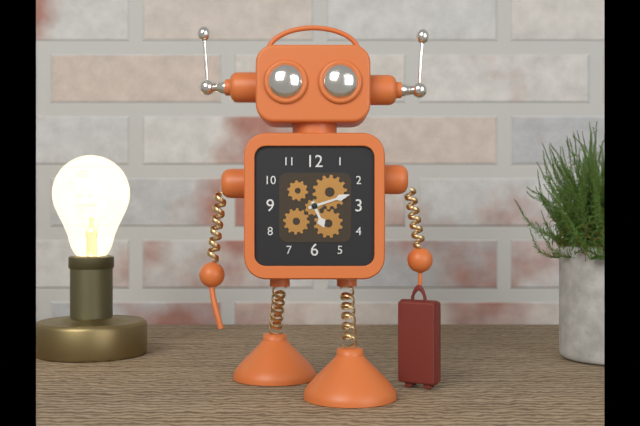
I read 5,12
